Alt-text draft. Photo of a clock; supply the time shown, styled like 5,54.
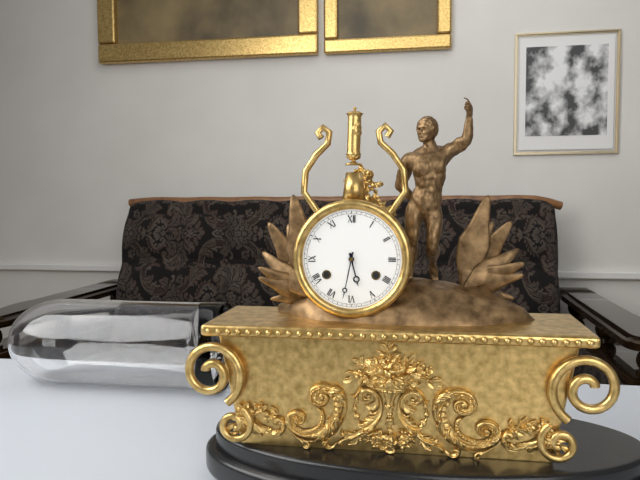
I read 5,32
